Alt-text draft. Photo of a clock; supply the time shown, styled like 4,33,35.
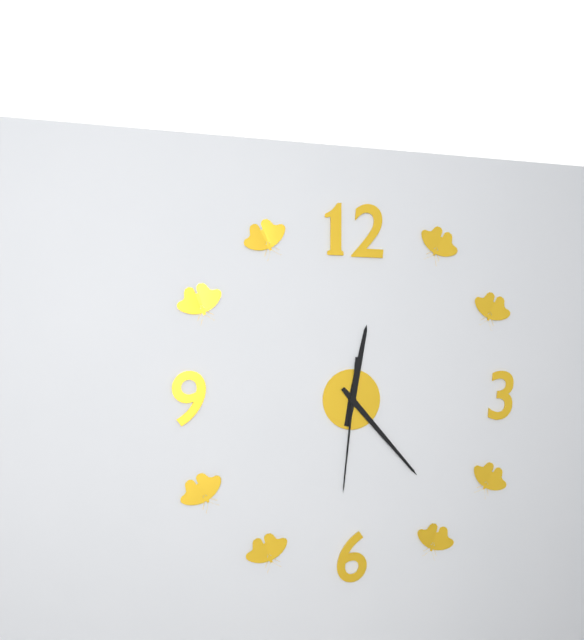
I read 12,23,31
